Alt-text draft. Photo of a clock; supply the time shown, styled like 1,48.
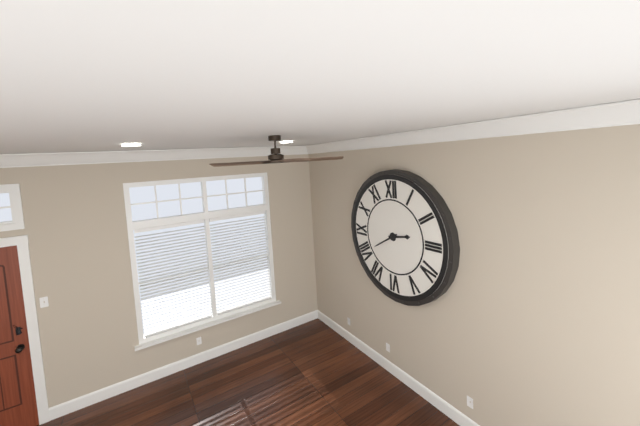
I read 2,40
